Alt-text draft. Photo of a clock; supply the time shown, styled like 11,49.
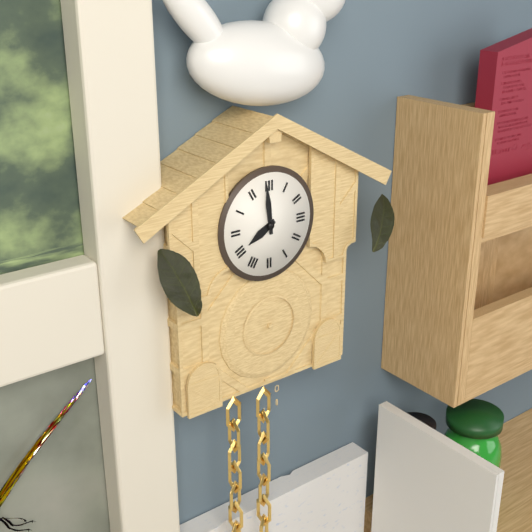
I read 7,59
